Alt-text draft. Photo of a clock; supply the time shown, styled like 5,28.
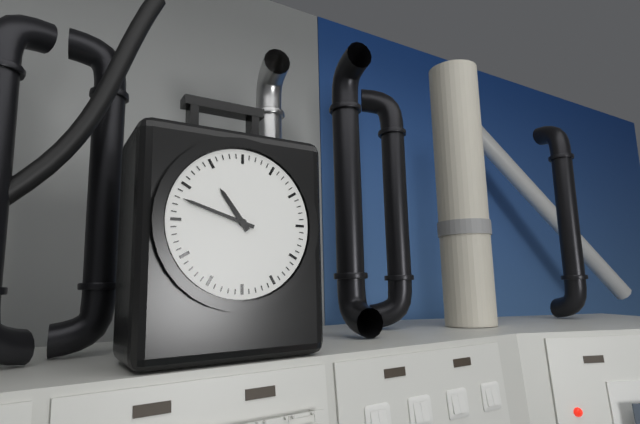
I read 10,48
